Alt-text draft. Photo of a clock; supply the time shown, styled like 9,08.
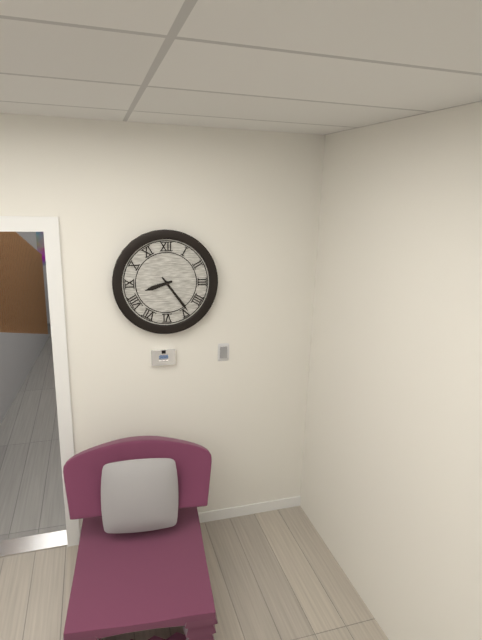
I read 8,24
